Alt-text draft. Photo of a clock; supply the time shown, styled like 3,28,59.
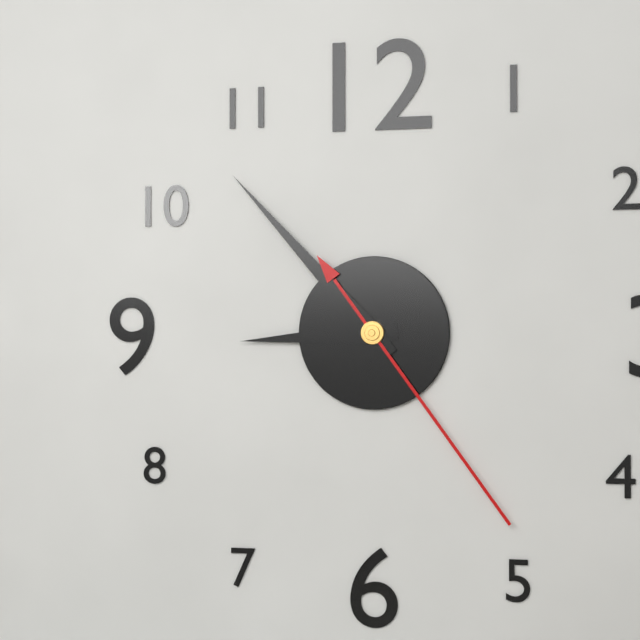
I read 8,53,24
